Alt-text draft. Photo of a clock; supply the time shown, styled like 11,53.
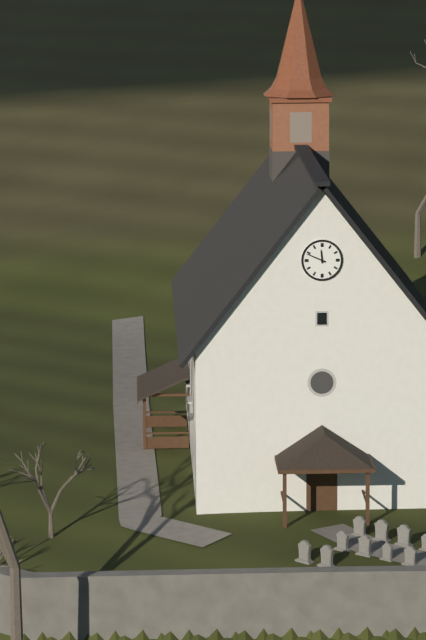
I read 11,49
